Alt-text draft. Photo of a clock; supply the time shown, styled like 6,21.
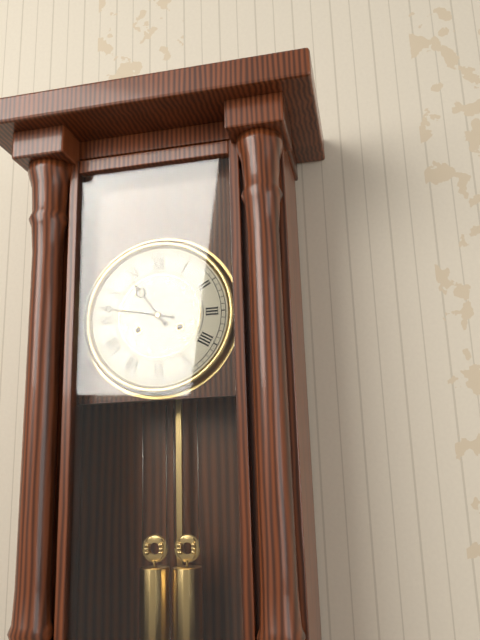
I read 10,47
